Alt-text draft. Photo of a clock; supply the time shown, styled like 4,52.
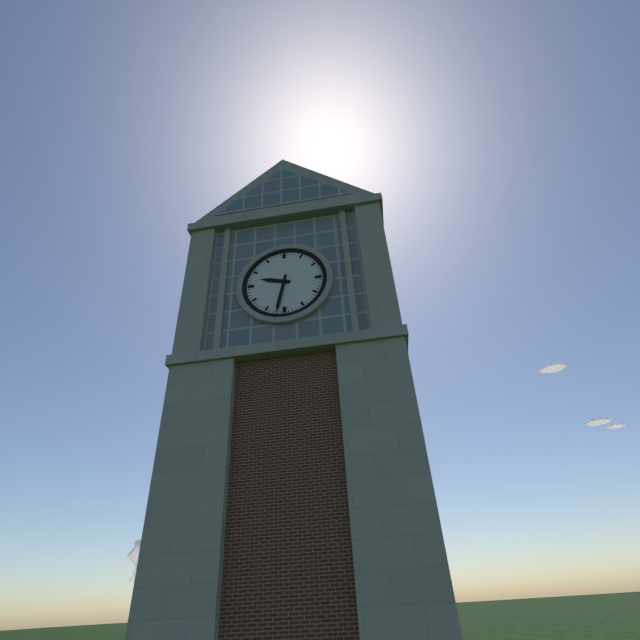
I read 9,32
